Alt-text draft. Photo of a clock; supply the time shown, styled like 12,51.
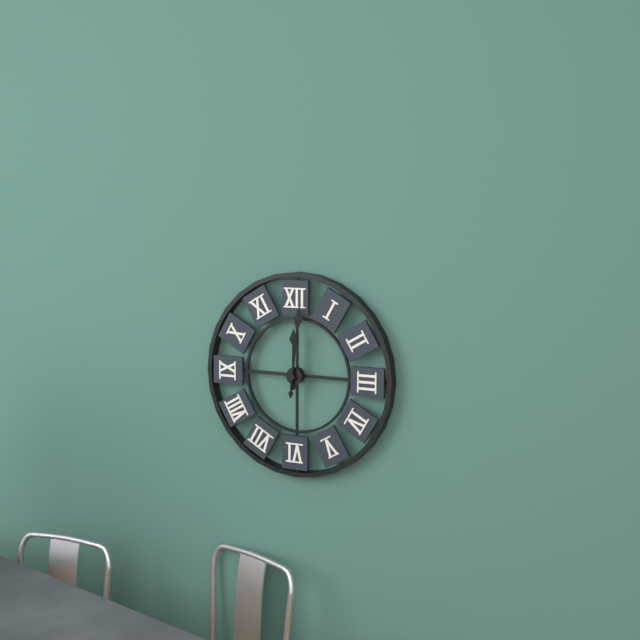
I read 12,01
